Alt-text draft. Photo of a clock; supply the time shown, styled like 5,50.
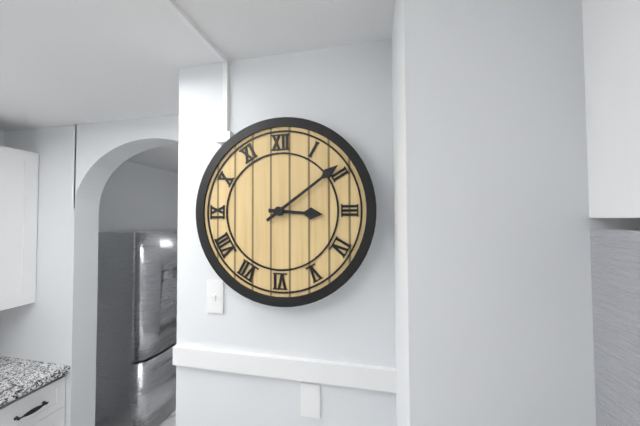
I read 3,09
